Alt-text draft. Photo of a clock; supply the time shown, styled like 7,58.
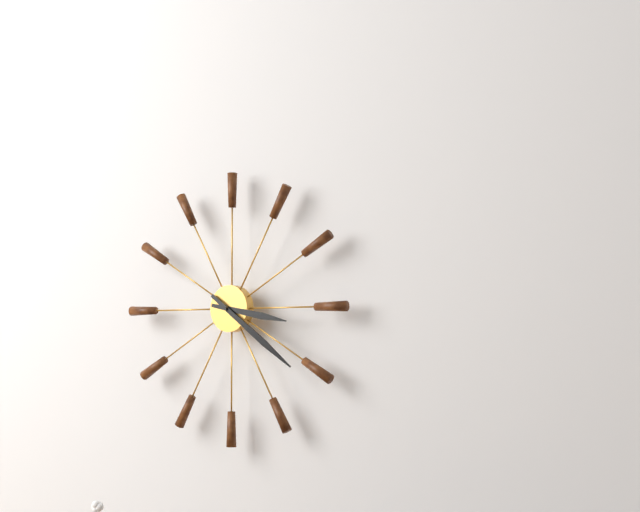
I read 3,21
